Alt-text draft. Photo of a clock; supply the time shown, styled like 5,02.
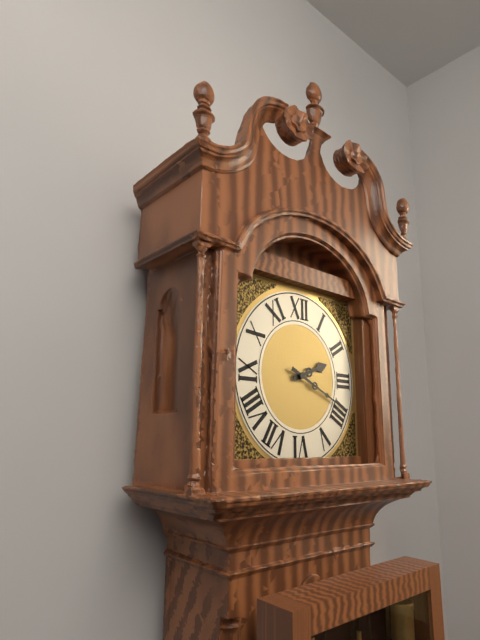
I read 2,19
